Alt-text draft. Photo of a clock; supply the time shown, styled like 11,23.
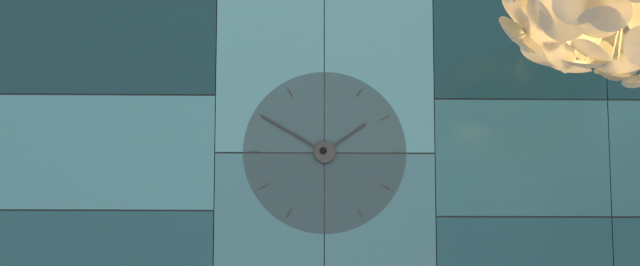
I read 1,50
